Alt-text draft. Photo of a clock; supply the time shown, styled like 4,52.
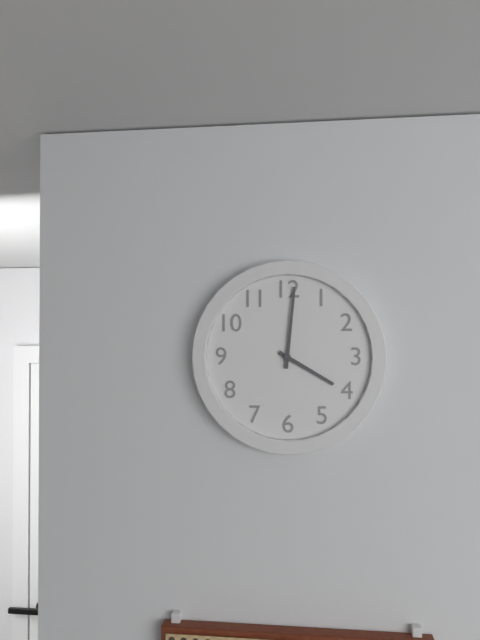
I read 4,01
